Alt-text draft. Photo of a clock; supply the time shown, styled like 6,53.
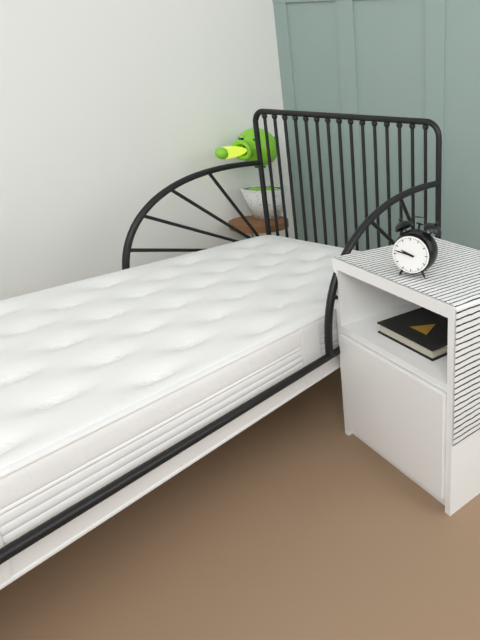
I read 9,47
